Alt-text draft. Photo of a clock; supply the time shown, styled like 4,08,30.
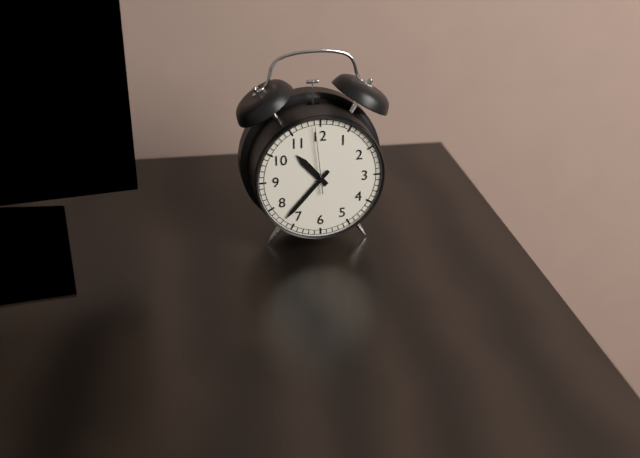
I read 10,37,59
